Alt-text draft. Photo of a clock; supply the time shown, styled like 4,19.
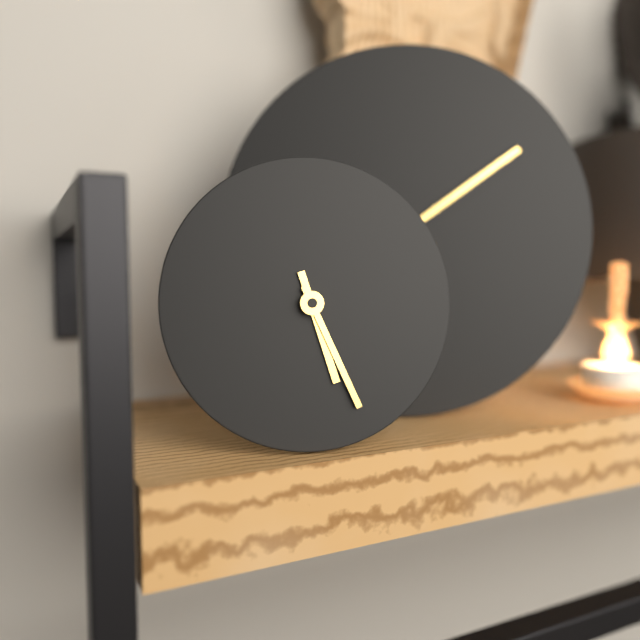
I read 5,26
